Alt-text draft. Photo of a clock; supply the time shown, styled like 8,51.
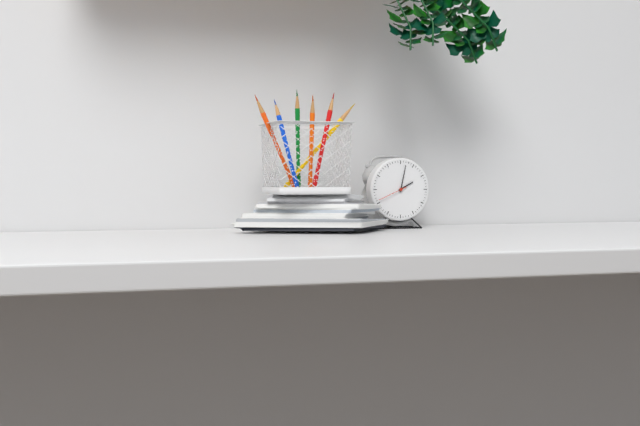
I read 2,02
